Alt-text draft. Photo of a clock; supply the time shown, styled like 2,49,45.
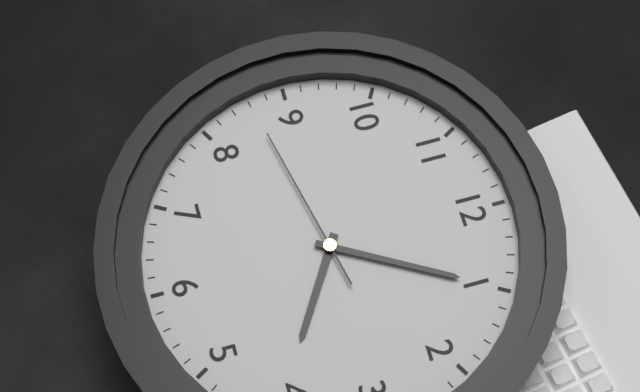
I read 4,05,43
